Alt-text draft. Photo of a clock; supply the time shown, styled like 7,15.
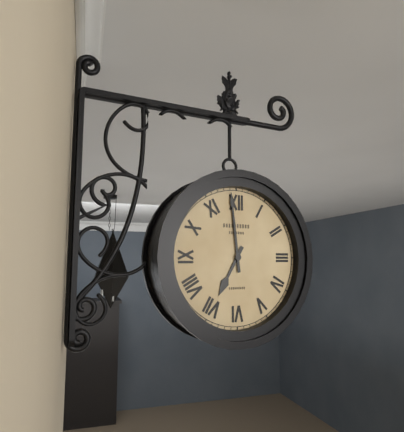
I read 6,59
